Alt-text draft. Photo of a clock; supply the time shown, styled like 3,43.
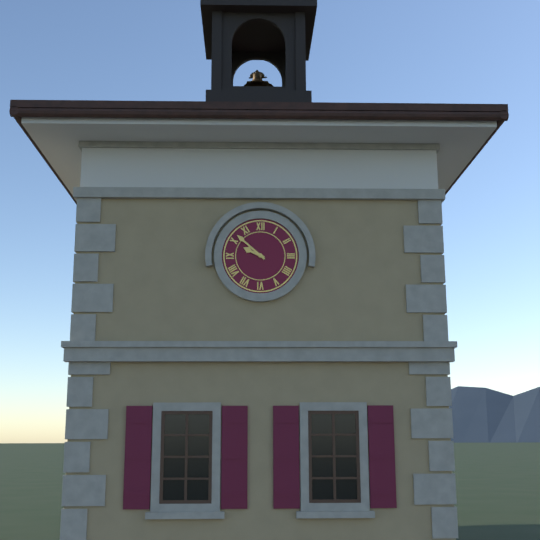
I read 9,52
